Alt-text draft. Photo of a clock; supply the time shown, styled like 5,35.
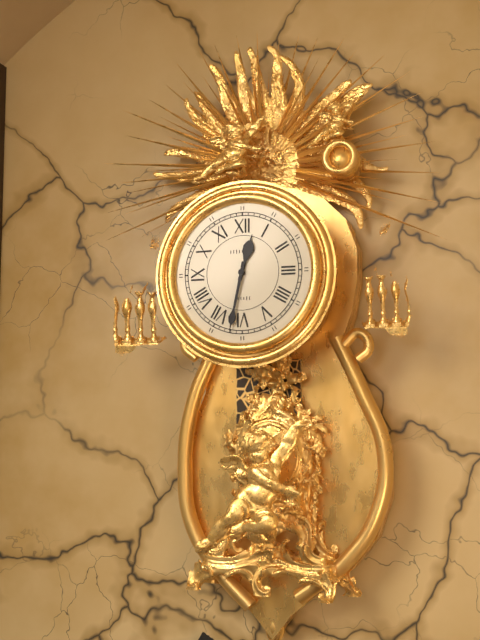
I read 12,32
